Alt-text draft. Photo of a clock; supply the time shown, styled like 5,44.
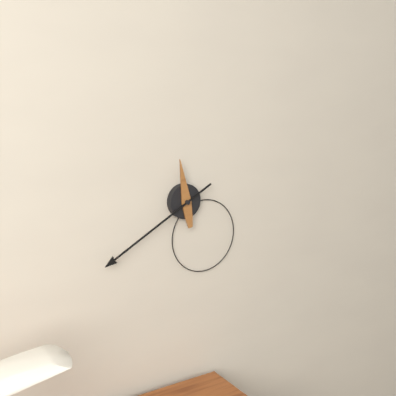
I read 11,40
